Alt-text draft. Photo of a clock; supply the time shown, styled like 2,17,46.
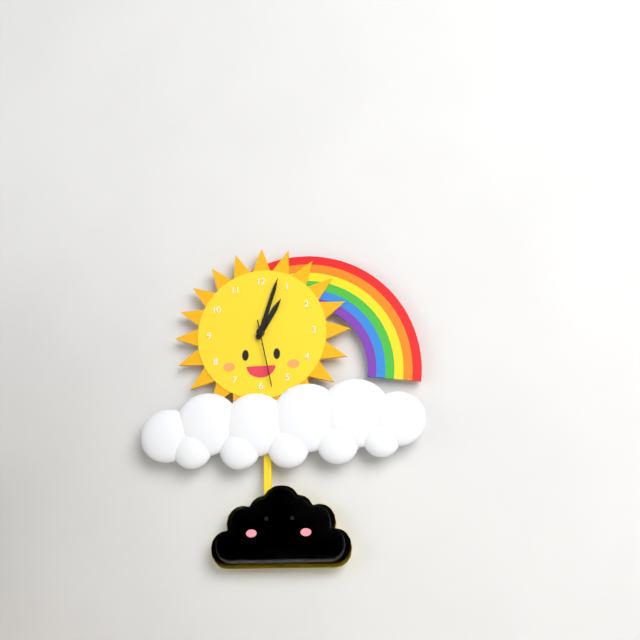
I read 1,03,28
